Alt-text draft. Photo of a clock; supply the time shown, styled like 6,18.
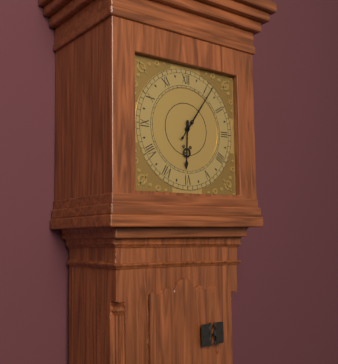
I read 6,06
